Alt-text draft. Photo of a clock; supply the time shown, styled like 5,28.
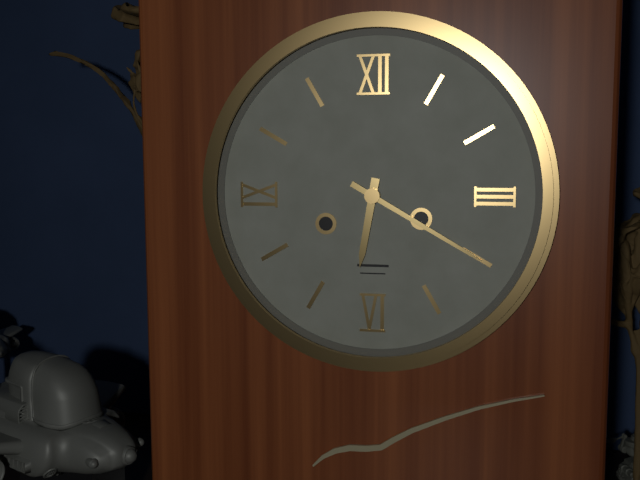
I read 6,20
